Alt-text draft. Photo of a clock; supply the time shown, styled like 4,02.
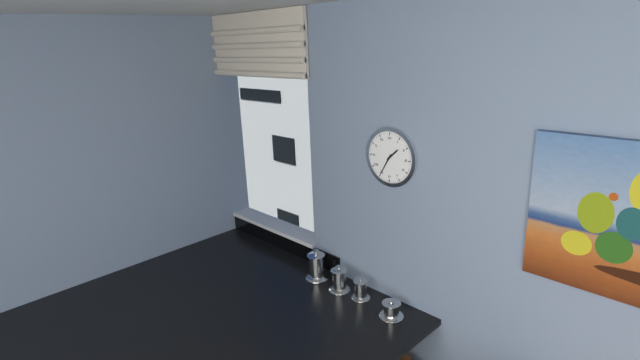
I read 1,35
